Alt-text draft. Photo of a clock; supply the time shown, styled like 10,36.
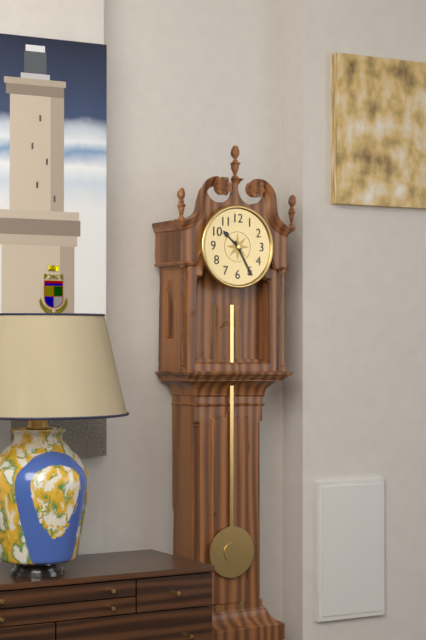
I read 10,25
